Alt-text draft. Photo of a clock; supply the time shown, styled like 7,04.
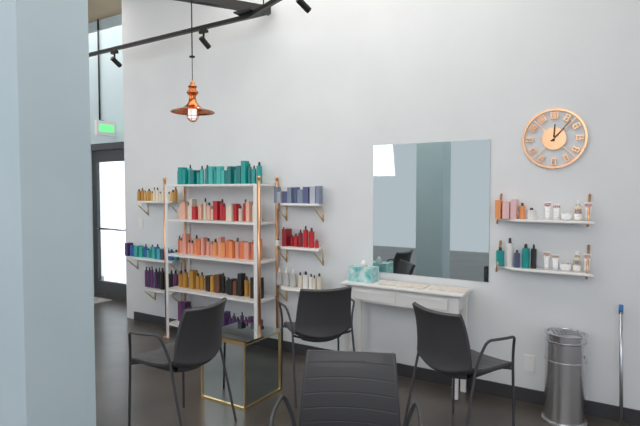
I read 12,07
